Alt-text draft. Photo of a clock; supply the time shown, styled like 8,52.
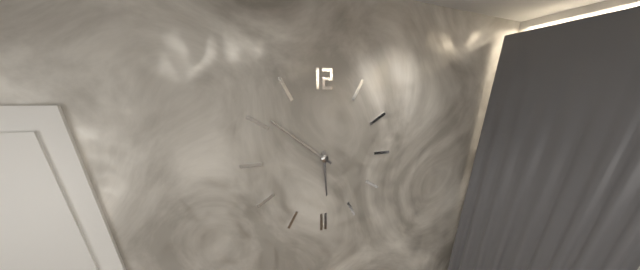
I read 5,51
